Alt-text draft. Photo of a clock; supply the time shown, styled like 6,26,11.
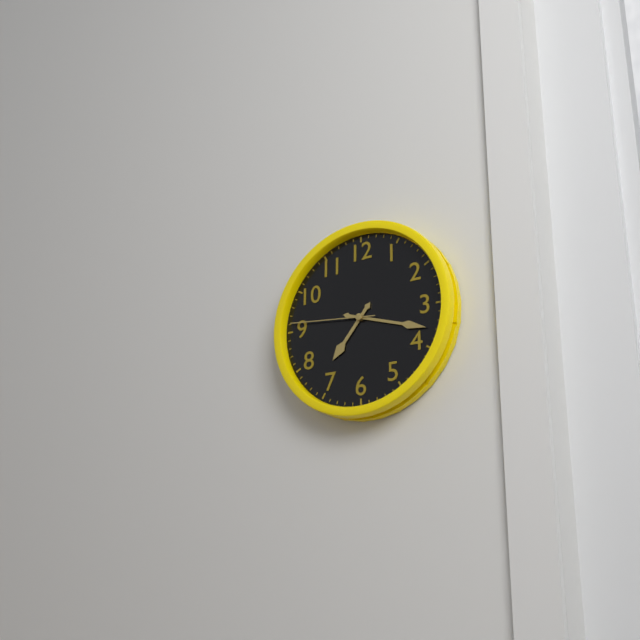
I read 7,18,46
